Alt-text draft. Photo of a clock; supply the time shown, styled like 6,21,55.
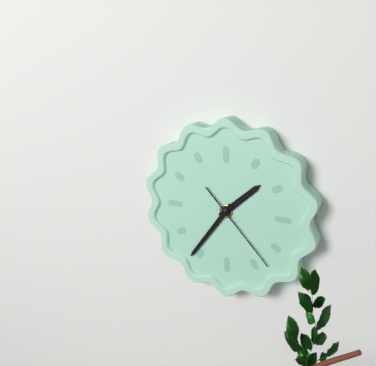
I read 1,36,23
